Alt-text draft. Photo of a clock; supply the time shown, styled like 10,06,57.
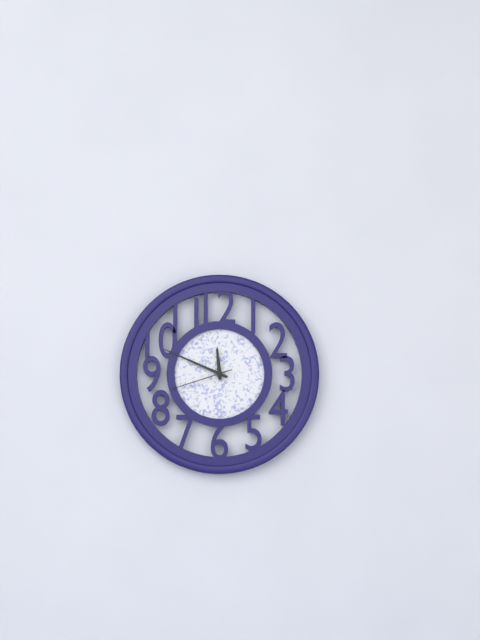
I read 11,49,42
